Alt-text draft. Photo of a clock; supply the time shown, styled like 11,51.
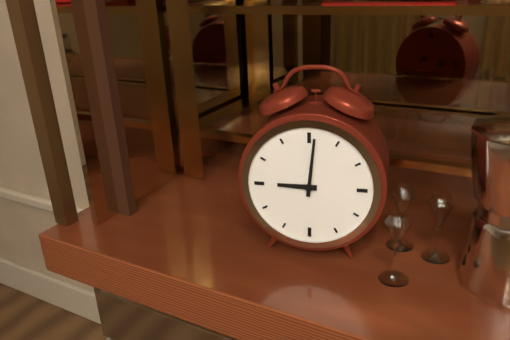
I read 9,01
